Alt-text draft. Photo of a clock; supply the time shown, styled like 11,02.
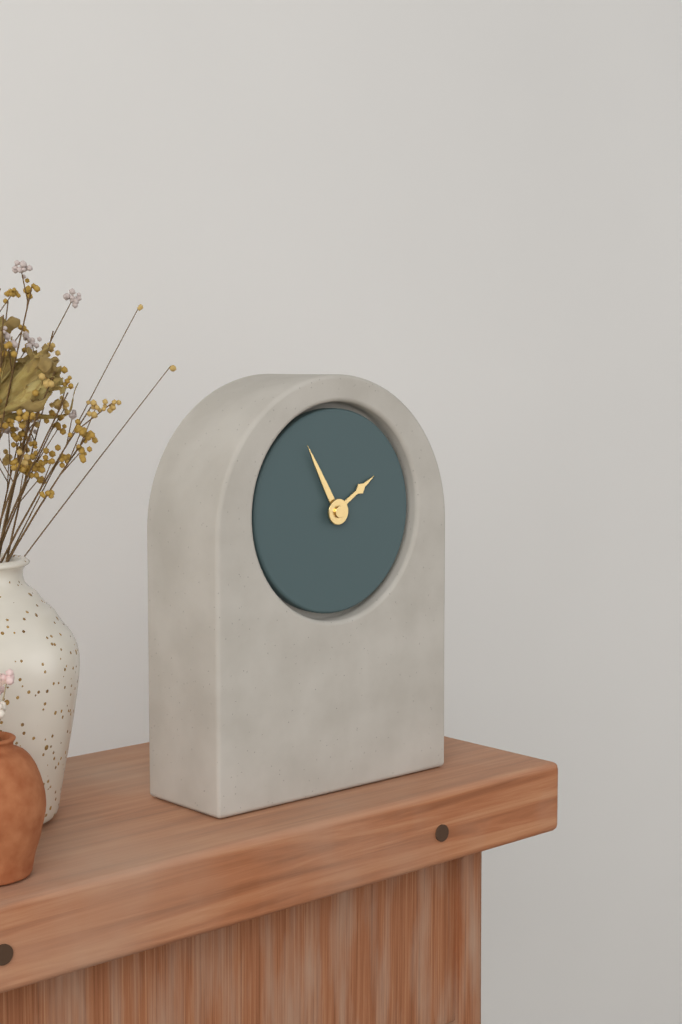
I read 1,55
